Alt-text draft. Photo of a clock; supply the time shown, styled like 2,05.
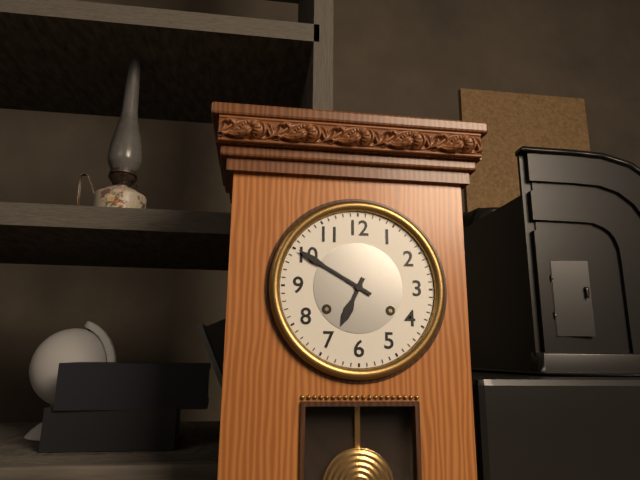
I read 6,50
